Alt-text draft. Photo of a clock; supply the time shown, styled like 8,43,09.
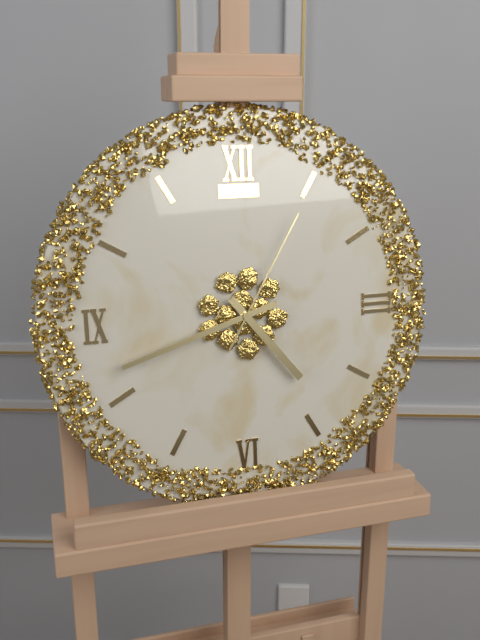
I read 4,42,05
